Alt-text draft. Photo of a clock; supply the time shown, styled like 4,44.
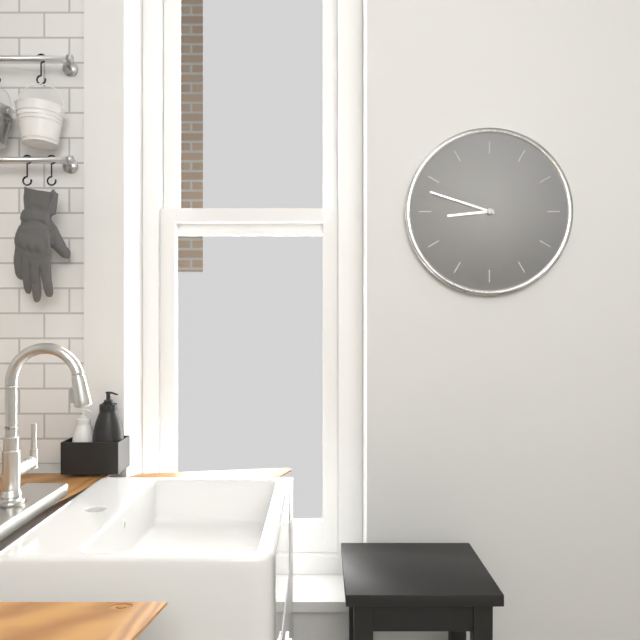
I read 8,48
